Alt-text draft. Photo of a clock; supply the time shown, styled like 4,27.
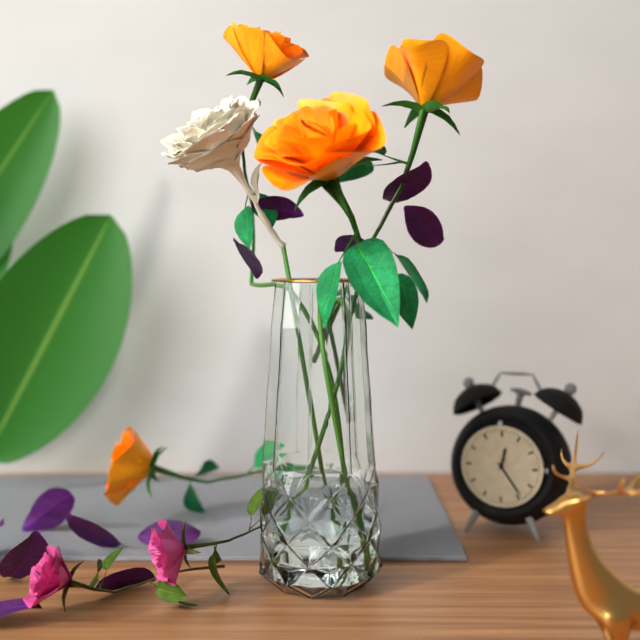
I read 12,24
